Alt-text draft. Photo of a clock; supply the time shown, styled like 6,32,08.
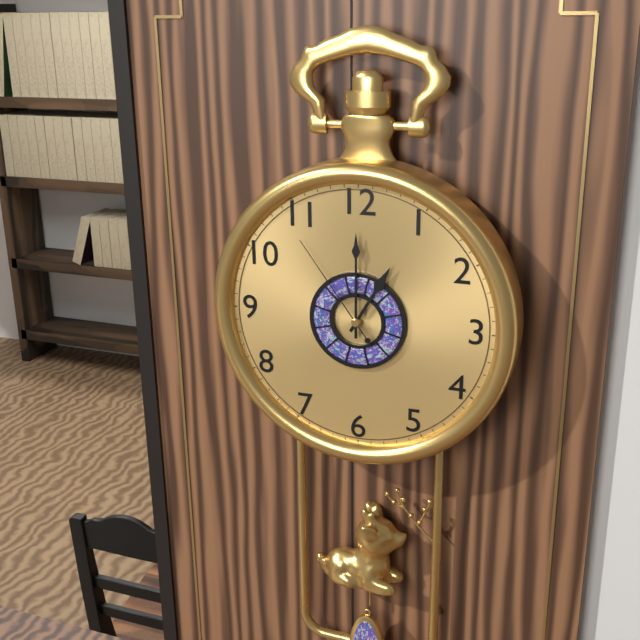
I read 1,00,54
